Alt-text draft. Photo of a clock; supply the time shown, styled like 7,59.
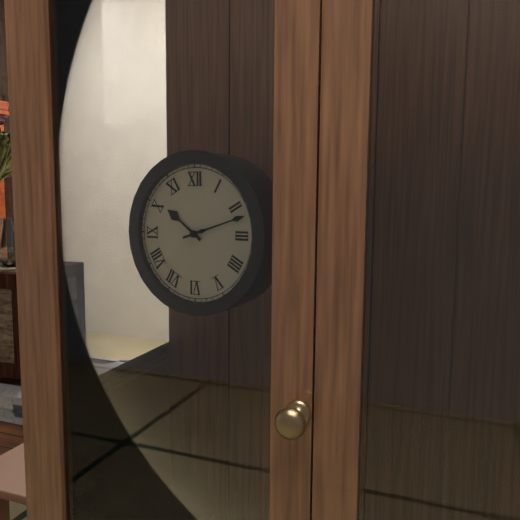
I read 10,12
